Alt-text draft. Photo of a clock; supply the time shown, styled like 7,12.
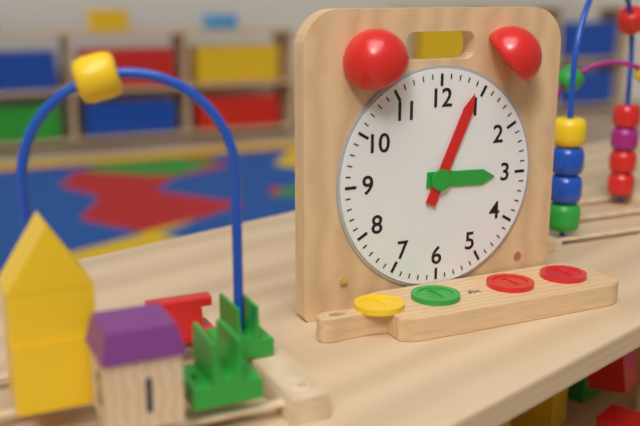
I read 3,04
